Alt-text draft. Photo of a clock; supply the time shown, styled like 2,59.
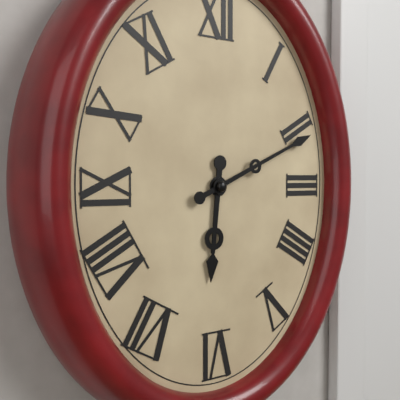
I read 6,11
